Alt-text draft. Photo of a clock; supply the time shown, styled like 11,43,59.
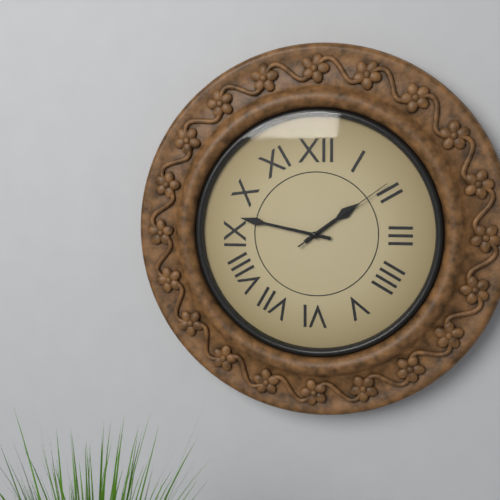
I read 1,47,09
